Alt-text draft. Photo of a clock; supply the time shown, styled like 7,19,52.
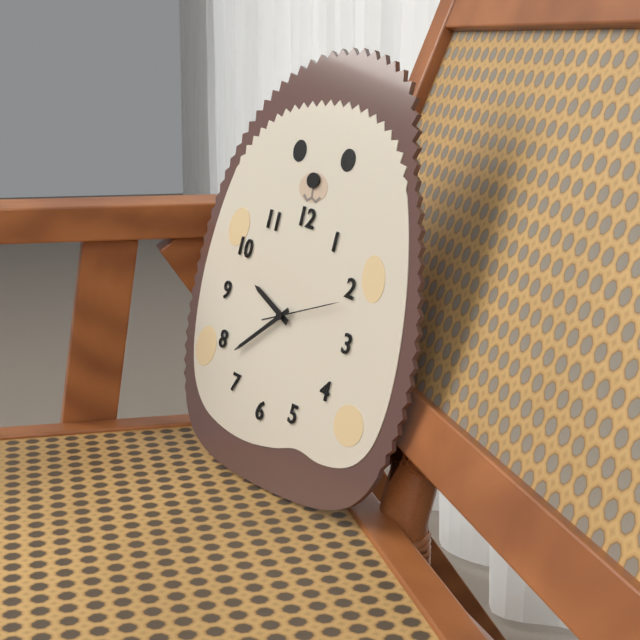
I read 9,38,11
